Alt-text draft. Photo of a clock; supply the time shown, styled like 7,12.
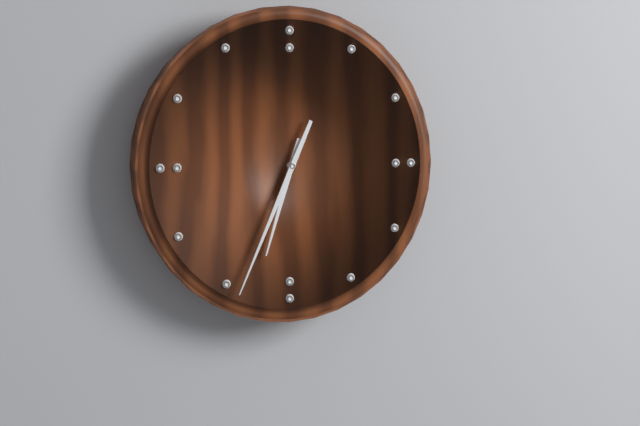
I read 6,34
